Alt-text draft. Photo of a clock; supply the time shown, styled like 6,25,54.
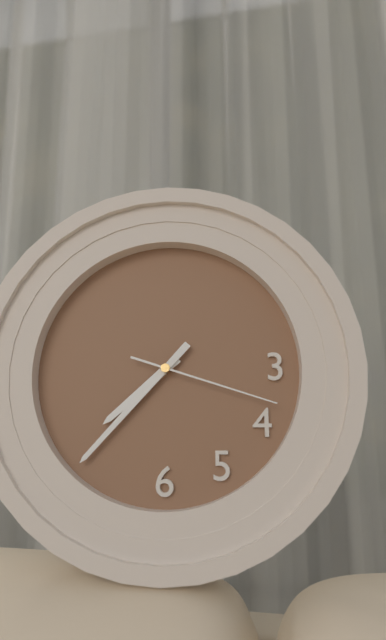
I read 7,37,18
